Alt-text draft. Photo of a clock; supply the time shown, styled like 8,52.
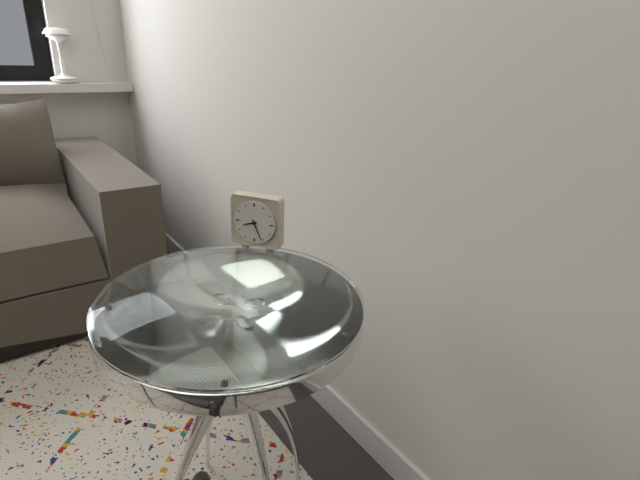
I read 8,26
